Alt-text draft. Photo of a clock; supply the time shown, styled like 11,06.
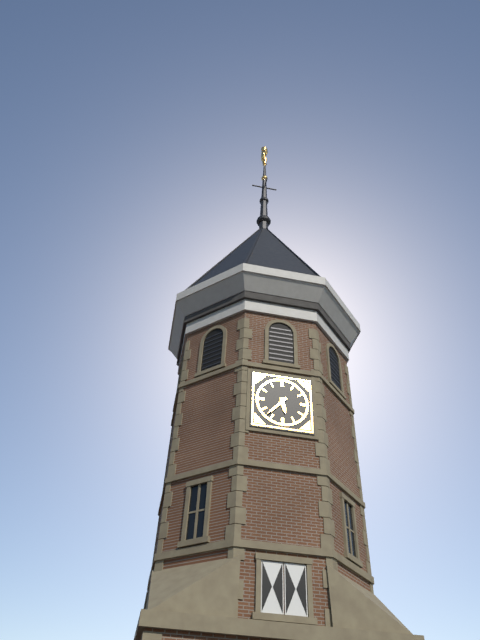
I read 5,37
